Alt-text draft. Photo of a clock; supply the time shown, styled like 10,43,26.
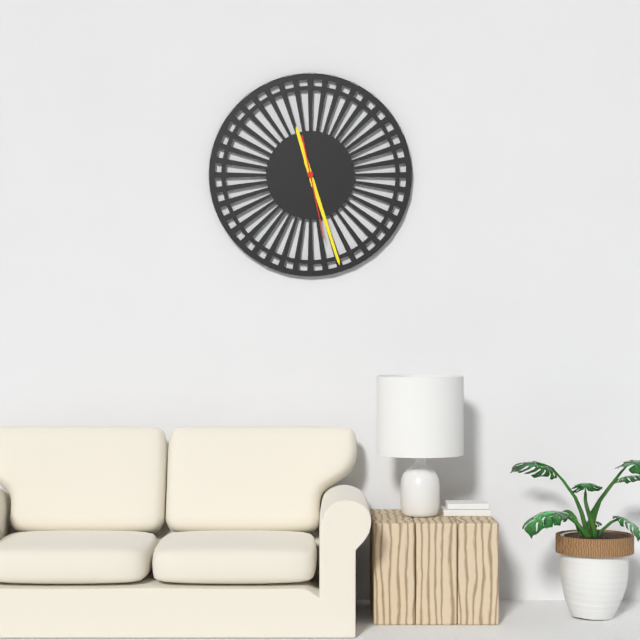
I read 11,27,28
